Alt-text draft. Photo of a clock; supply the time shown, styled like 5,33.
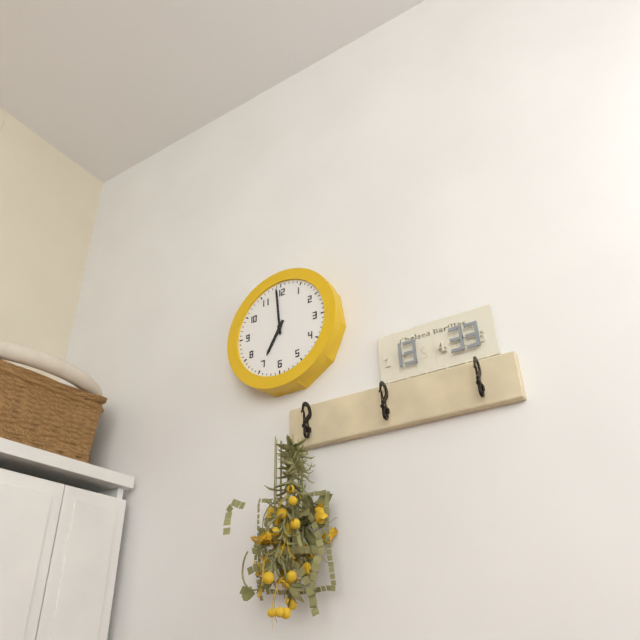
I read 6,59
